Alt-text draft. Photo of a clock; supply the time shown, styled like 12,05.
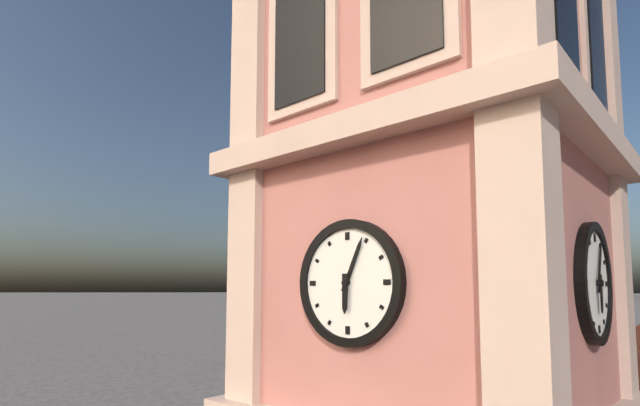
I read 6,04
